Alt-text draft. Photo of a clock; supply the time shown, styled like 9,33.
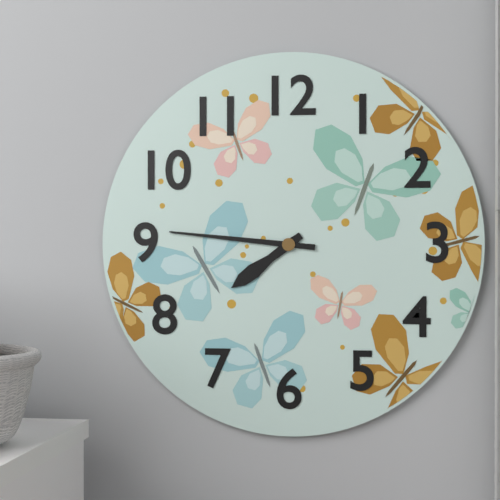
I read 7,46
